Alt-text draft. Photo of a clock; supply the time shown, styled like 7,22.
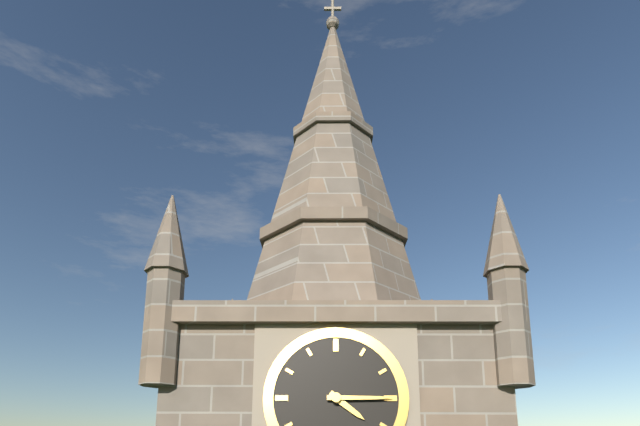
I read 4,15
